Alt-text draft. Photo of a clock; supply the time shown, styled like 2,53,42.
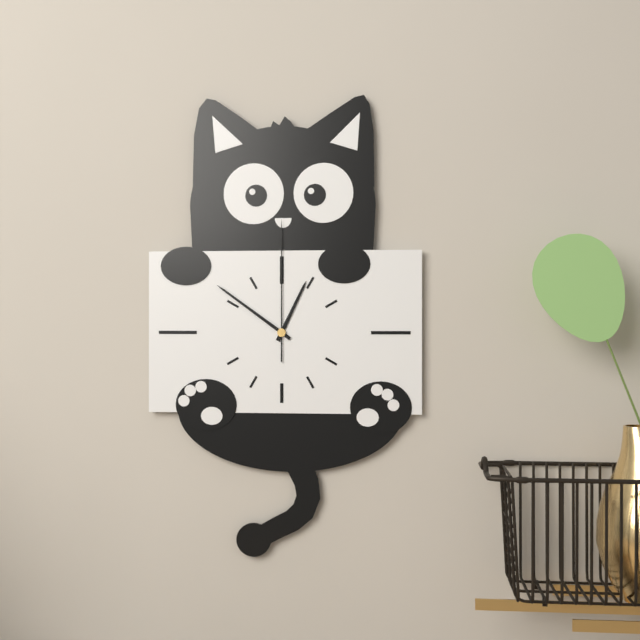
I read 12,51,00
